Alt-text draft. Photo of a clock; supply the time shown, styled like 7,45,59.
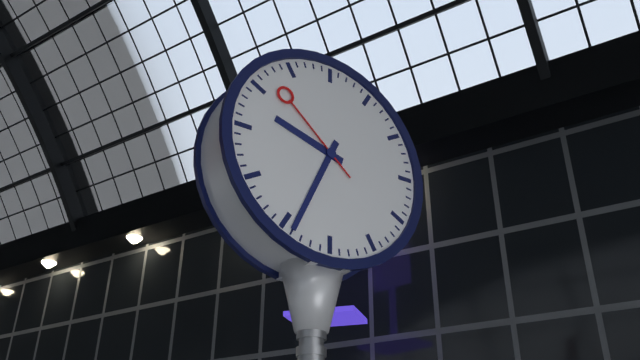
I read 9,34,52
